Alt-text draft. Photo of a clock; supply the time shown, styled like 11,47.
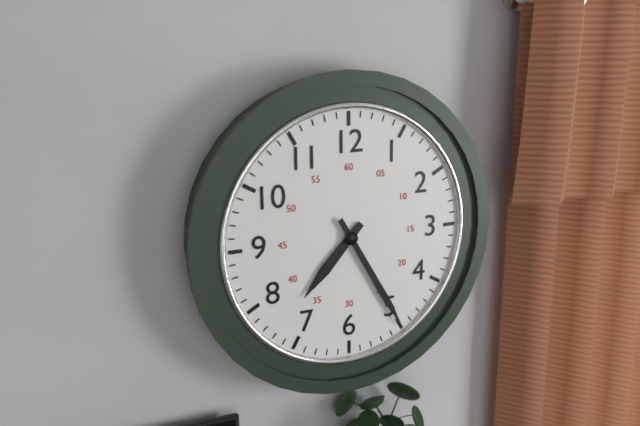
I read 7,25
